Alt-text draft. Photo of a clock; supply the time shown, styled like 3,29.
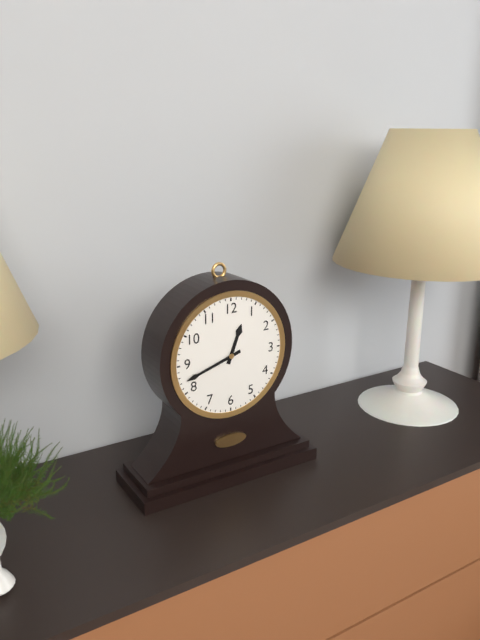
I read 12,42
